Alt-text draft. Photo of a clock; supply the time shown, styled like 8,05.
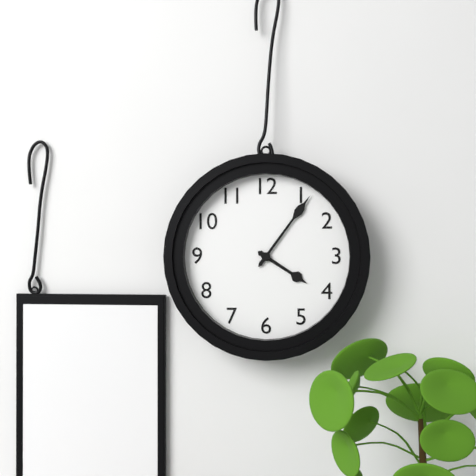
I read 4,06
